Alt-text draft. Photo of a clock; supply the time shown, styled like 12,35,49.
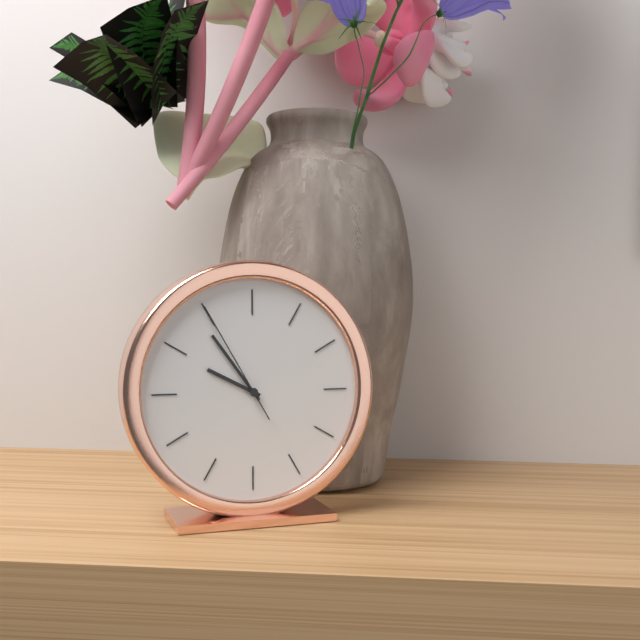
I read 9,54,55
